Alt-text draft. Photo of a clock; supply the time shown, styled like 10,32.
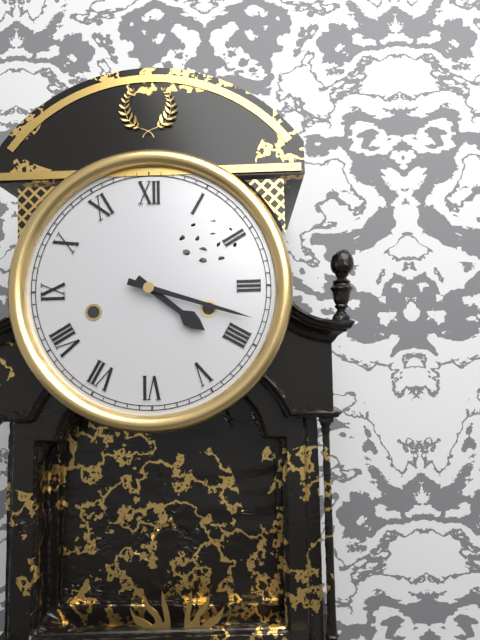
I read 4,18
